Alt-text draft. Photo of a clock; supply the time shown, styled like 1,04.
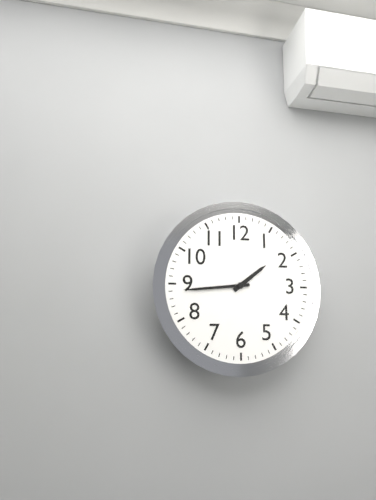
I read 1,44
